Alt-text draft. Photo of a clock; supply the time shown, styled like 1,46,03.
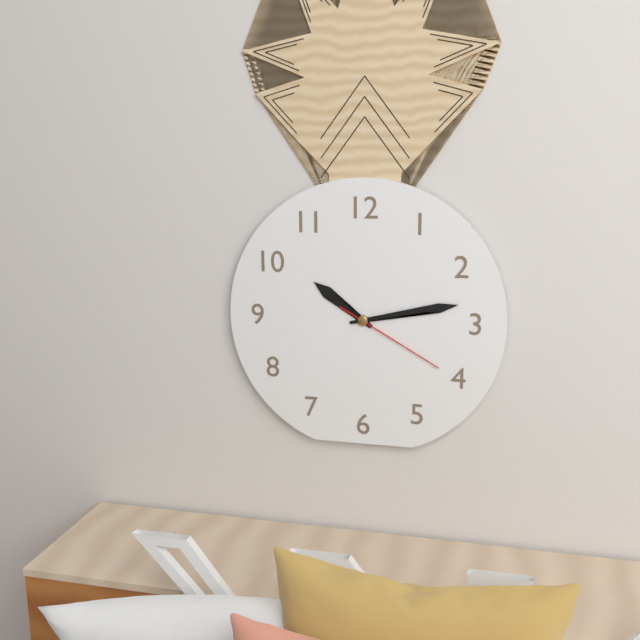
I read 10,13,20
